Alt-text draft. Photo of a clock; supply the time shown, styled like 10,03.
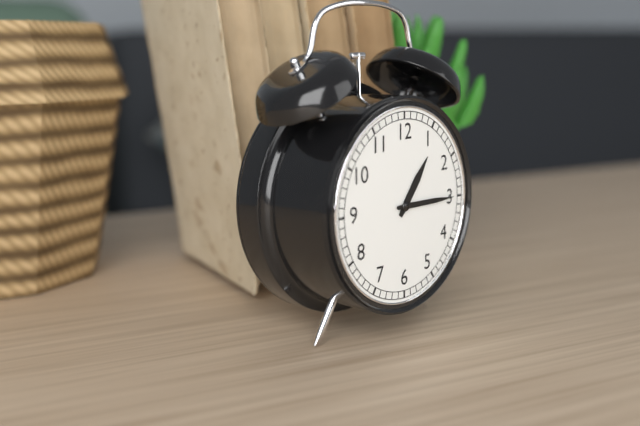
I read 1,15
